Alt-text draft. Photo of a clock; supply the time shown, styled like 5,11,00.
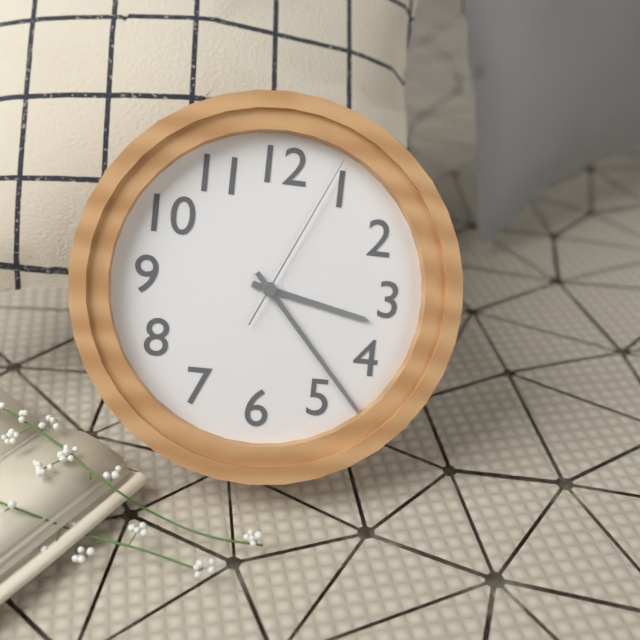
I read 3,23,04
